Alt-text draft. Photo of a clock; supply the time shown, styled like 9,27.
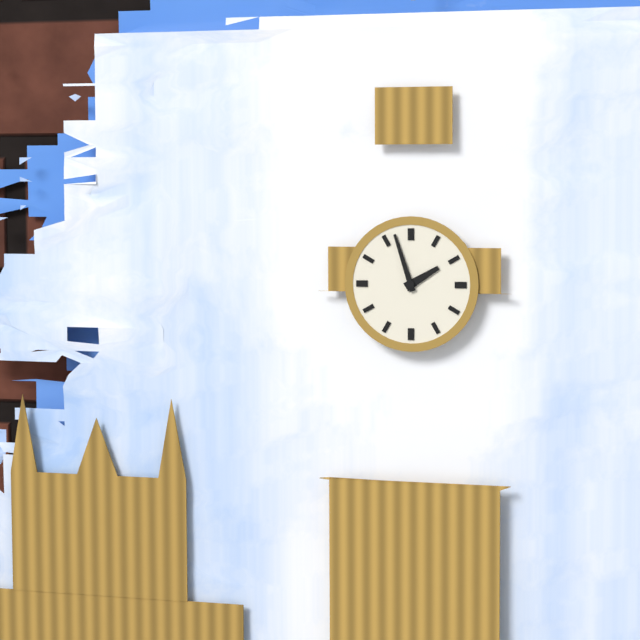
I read 1,57
